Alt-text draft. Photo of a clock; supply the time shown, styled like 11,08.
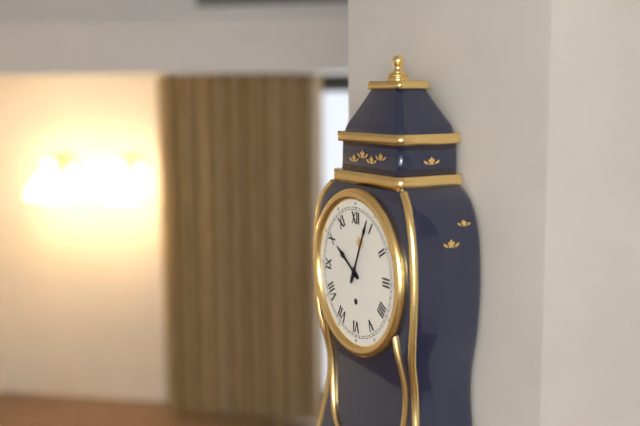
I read 10,04
